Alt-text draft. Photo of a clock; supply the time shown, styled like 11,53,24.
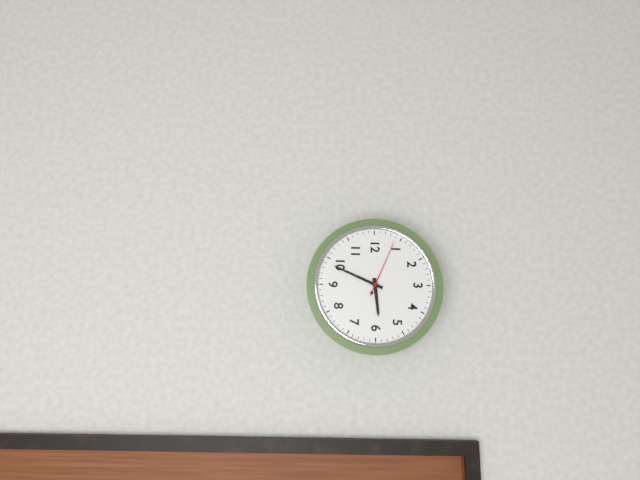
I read 5,49,04
